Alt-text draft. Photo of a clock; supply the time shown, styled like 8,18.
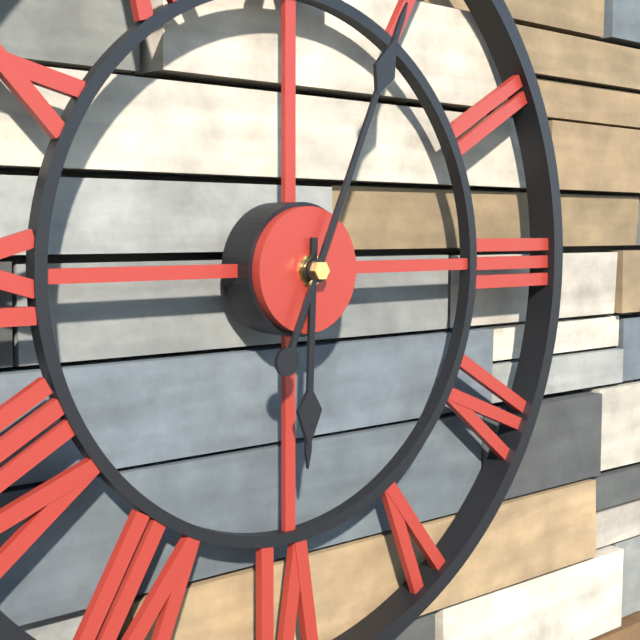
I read 6,04
